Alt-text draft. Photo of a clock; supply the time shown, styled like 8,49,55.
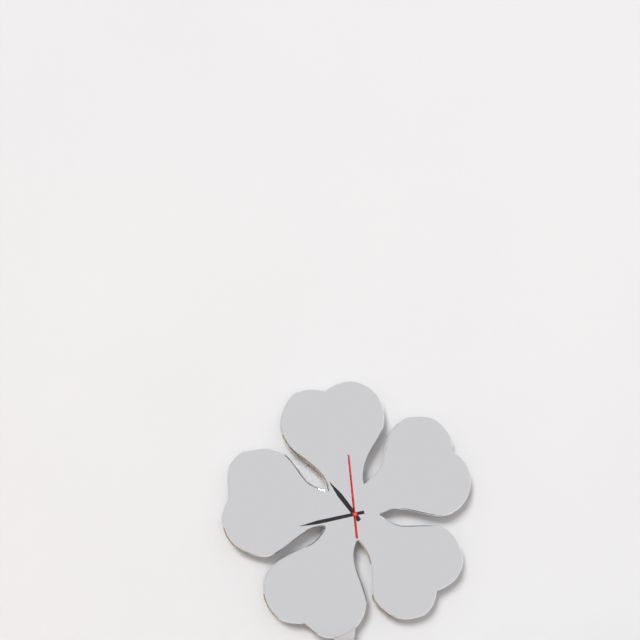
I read 10,43,59
